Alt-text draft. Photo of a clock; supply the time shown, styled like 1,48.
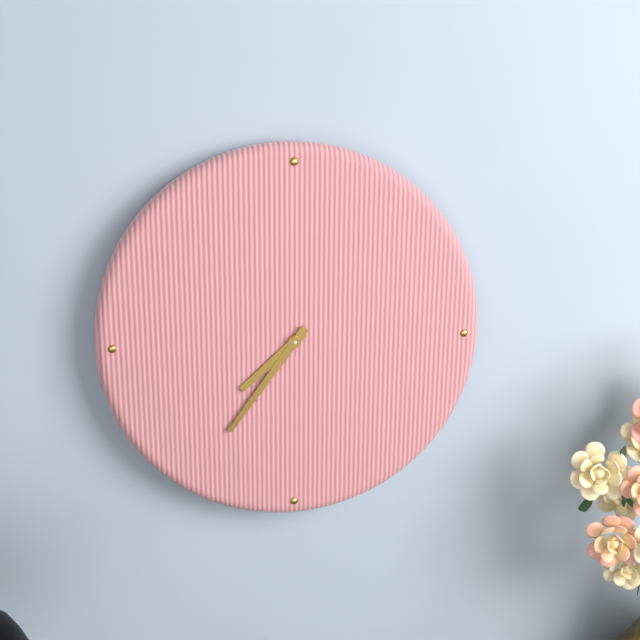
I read 7,36
